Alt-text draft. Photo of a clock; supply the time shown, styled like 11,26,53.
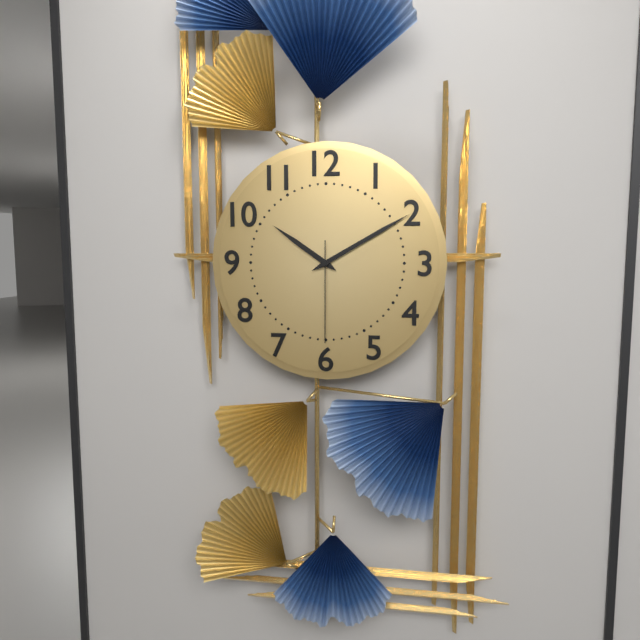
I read 10,10,30
